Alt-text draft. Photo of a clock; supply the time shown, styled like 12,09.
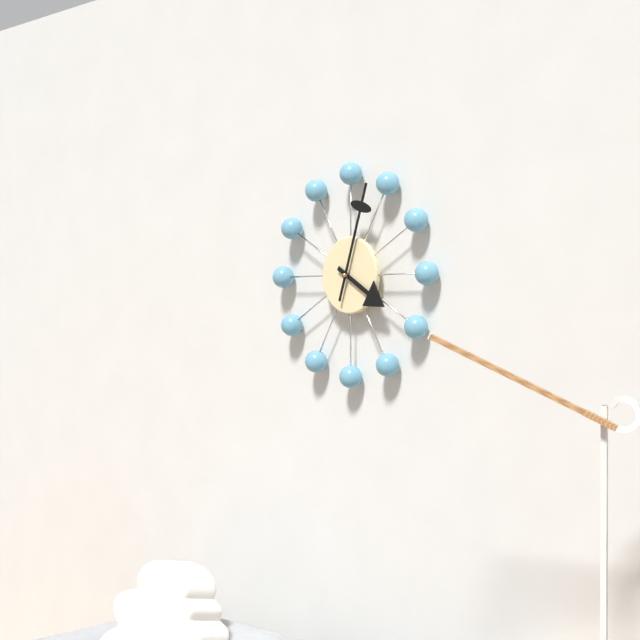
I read 4,03
